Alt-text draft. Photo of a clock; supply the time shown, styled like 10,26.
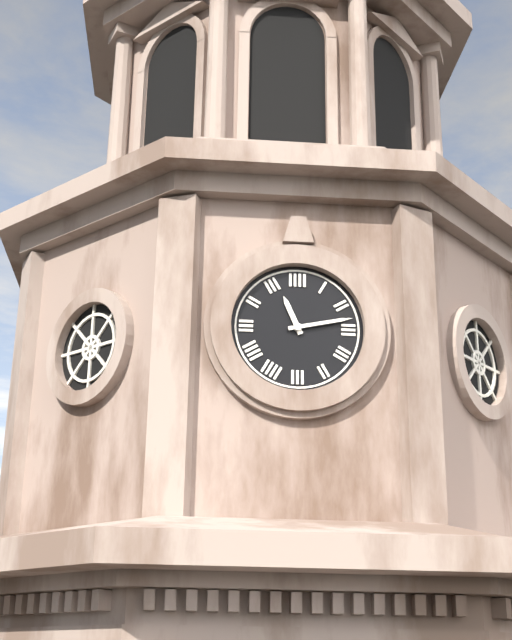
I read 11,13
